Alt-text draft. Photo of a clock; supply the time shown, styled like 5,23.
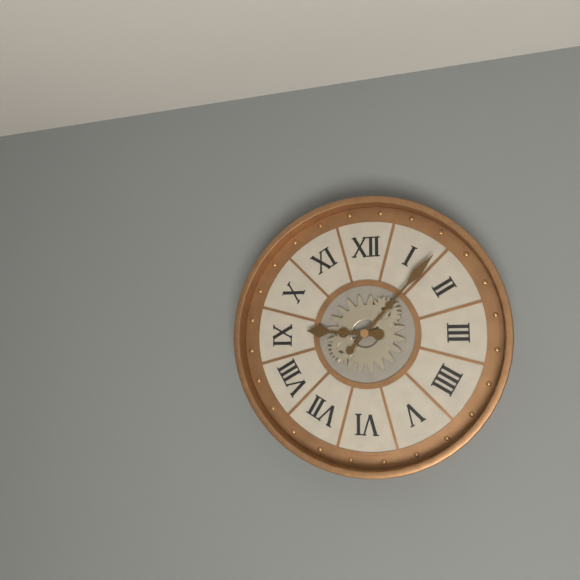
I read 9,07
